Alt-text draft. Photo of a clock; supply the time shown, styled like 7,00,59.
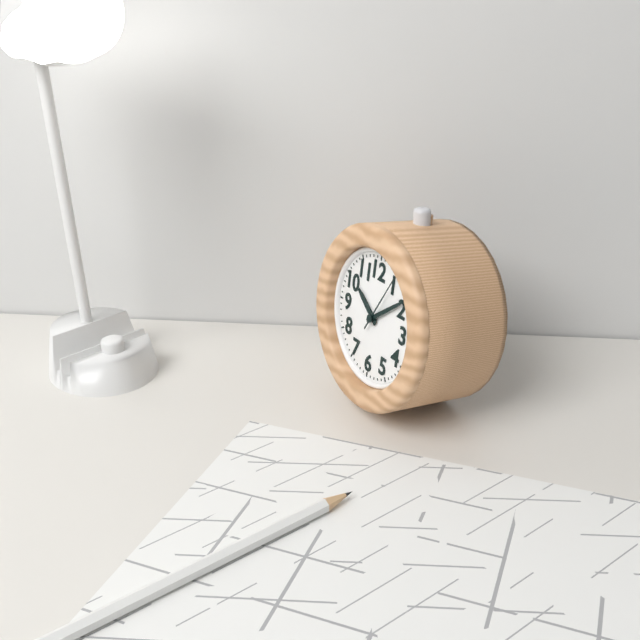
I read 10,09,05
